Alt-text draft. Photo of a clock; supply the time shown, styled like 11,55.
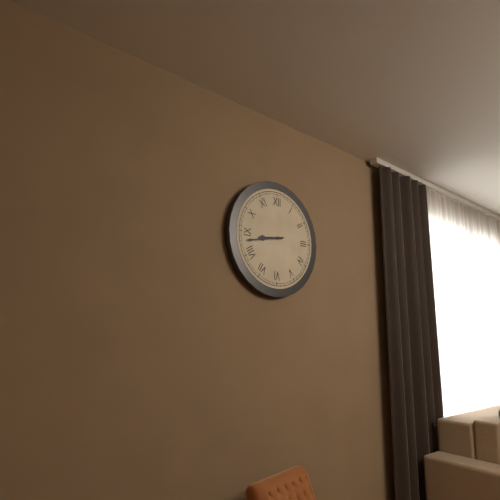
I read 8,43
